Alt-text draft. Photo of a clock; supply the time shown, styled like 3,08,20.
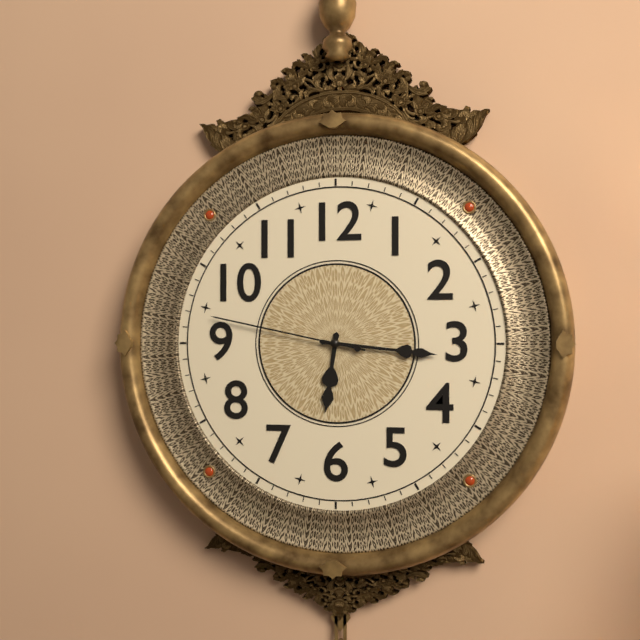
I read 6,16,47
